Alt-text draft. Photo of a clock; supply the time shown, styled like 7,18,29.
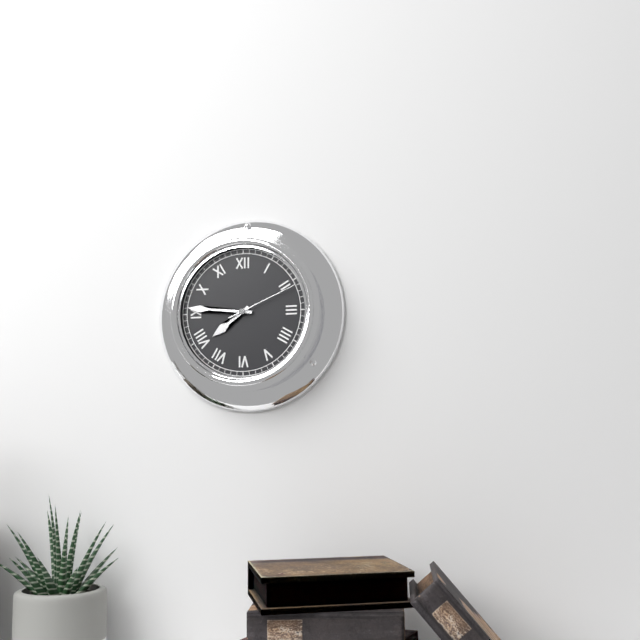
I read 7,46,11
